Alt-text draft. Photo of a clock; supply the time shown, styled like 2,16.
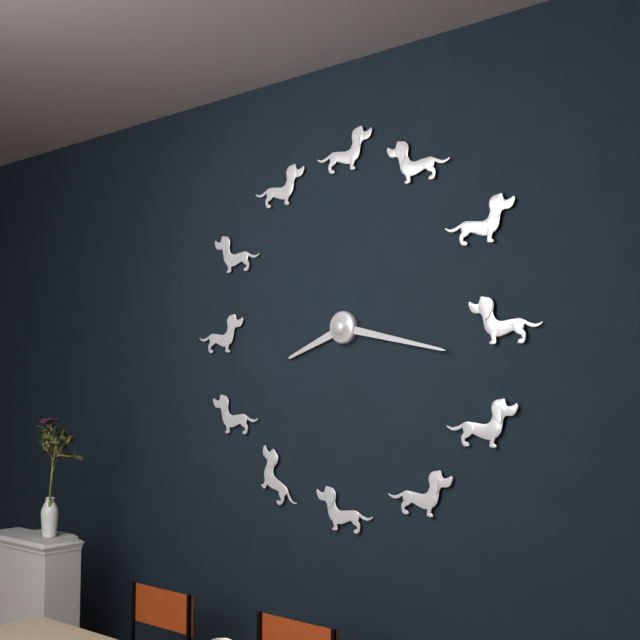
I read 8,17
